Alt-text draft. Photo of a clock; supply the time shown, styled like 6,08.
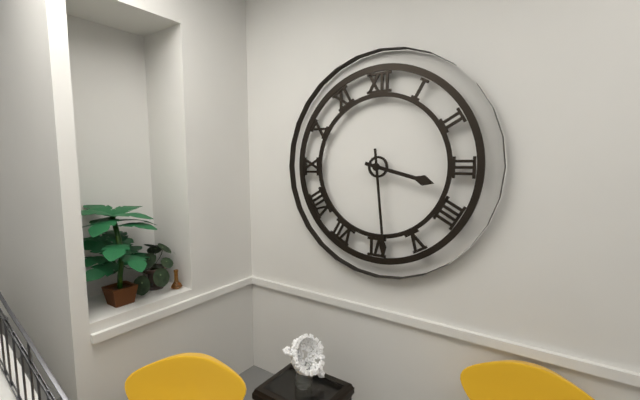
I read 3,29
